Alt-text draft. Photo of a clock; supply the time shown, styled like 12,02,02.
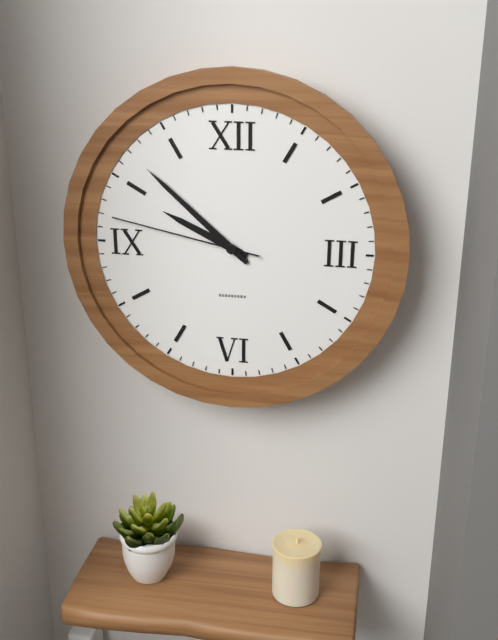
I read 9,52,47
